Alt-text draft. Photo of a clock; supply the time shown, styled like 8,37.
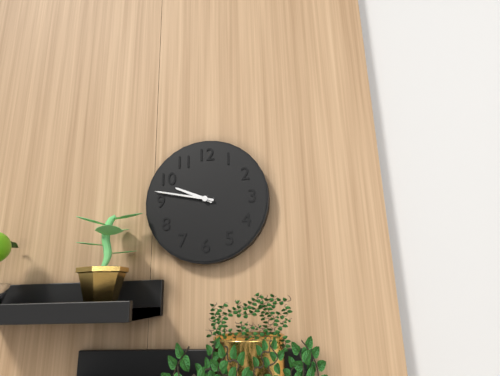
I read 9,47
